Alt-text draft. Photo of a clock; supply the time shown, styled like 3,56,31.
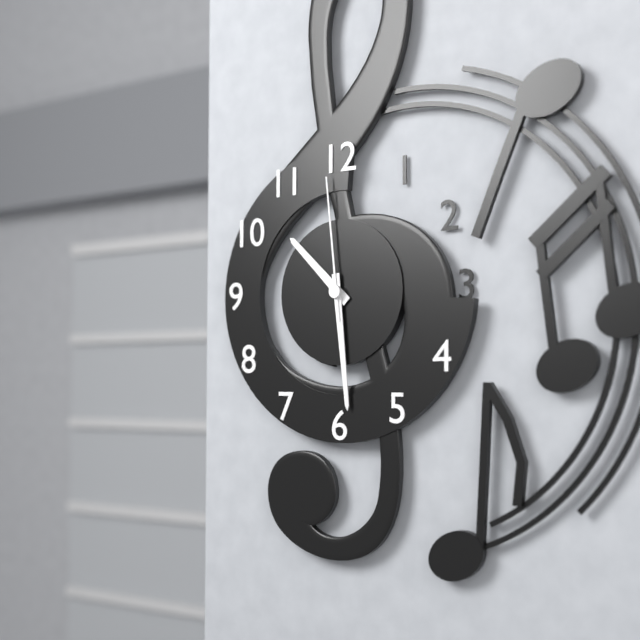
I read 10,29,59
